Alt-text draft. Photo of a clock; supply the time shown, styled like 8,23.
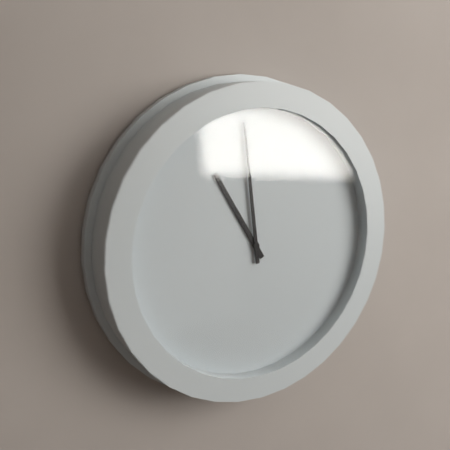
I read 10,59
